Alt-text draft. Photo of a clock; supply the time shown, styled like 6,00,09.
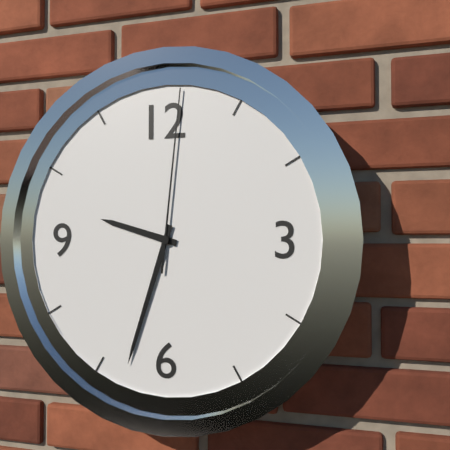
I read 9,33,01
